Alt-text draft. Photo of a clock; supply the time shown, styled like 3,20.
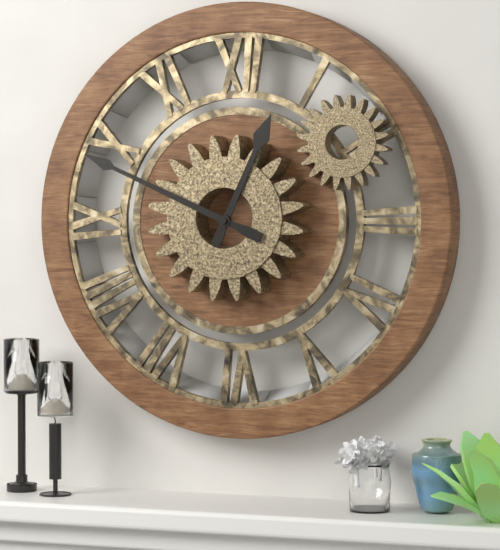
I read 12,49
